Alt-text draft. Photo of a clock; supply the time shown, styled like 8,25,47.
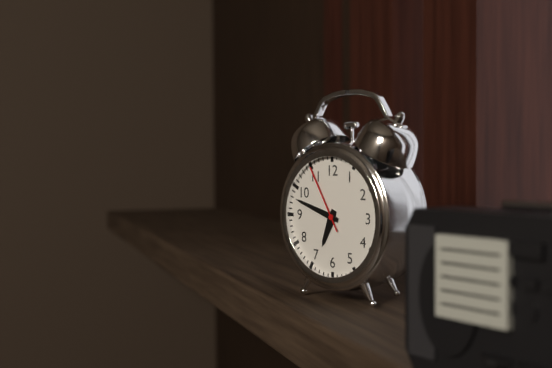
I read 6,48,55
